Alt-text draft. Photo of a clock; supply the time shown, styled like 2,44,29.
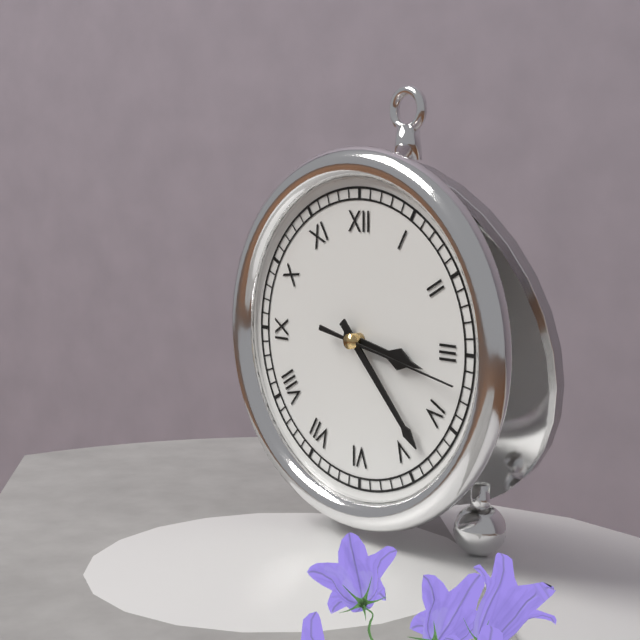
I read 3,23,17
